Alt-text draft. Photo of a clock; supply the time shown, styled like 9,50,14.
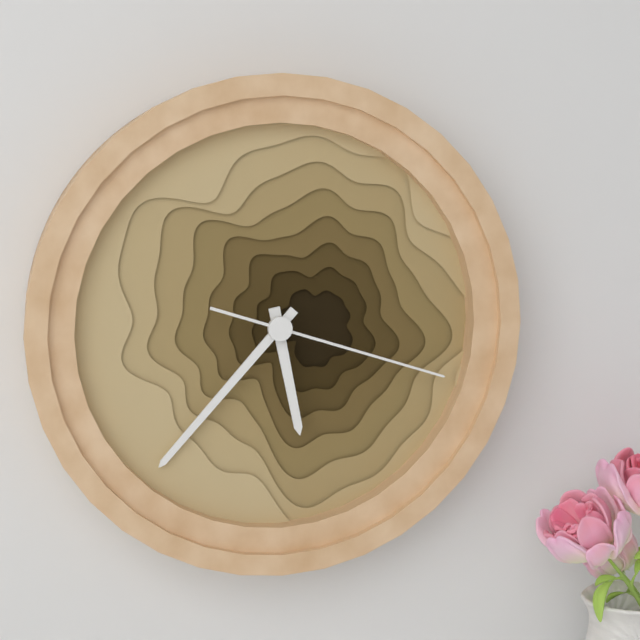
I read 5,37,18
